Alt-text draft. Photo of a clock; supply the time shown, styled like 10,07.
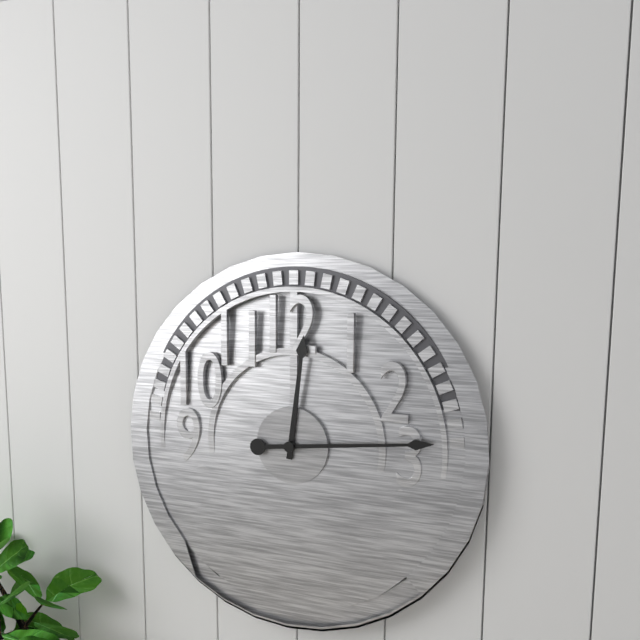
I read 12,14
